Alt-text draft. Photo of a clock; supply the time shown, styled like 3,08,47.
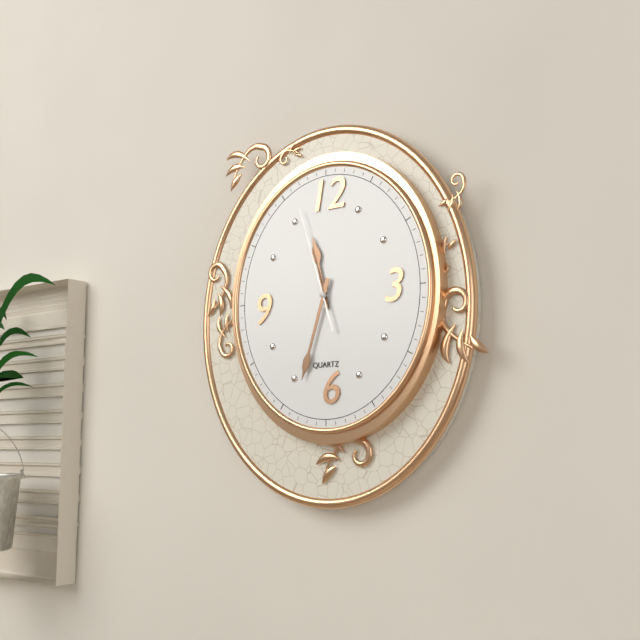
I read 11,33,57
